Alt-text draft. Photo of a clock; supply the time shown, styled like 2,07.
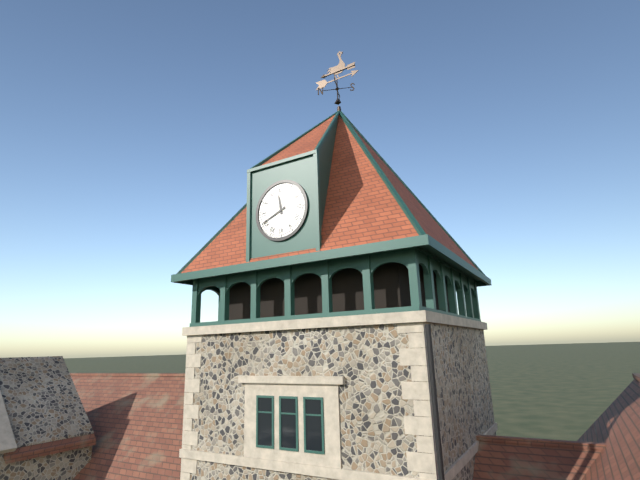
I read 11,41
